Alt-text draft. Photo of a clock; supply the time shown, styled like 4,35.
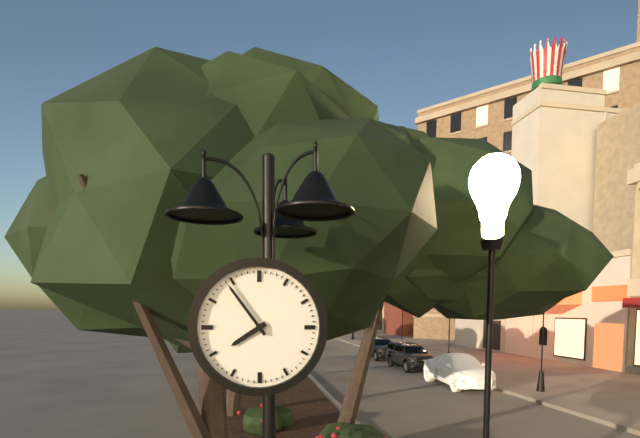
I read 7,54
